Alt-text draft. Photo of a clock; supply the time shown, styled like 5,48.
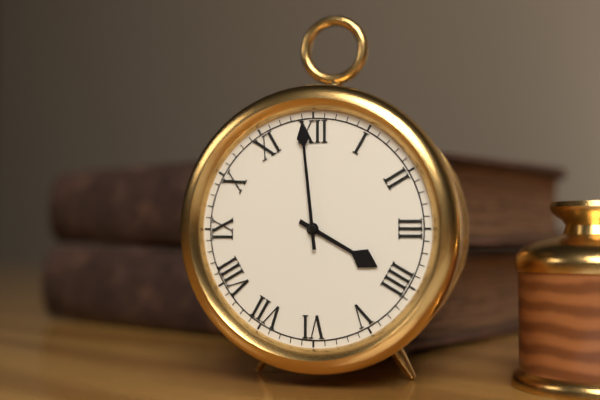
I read 3,59
